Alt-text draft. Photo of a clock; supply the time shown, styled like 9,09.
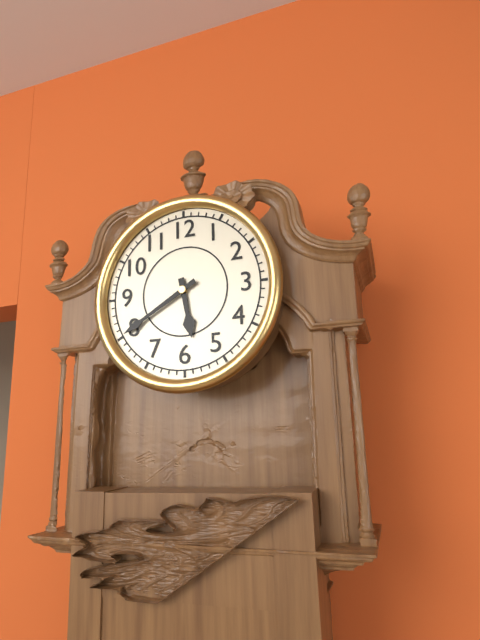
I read 5,40
